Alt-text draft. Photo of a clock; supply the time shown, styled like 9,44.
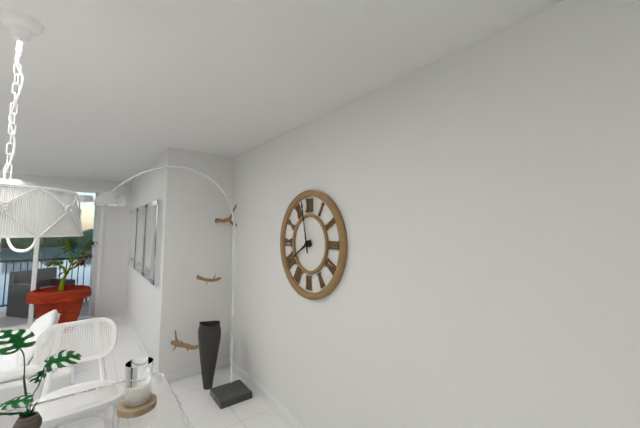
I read 7,58
